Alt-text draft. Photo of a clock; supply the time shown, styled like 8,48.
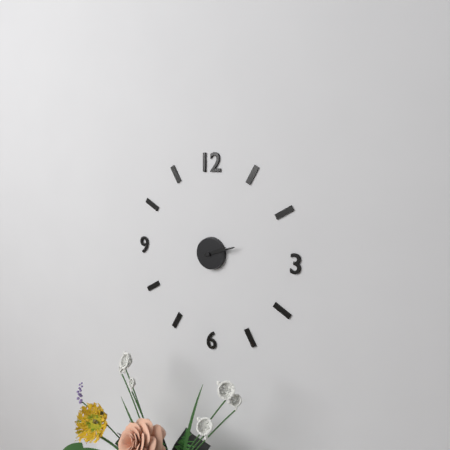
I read 2,12
